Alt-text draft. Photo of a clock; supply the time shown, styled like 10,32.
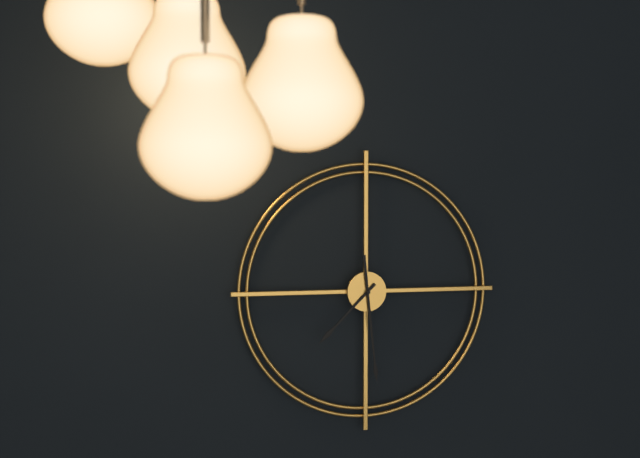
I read 7,29
